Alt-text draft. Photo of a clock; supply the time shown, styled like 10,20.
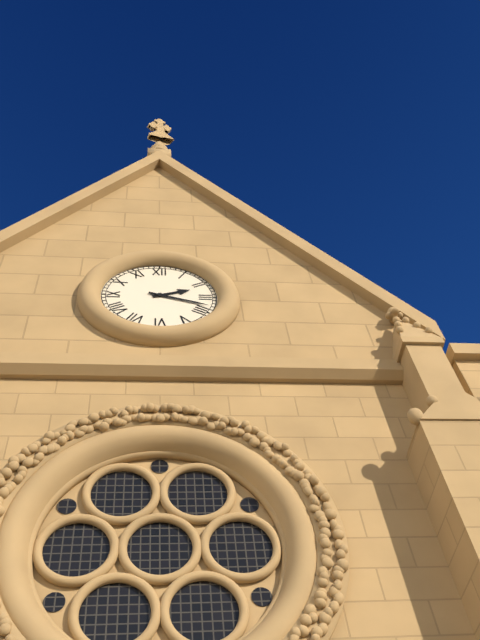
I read 2,18
